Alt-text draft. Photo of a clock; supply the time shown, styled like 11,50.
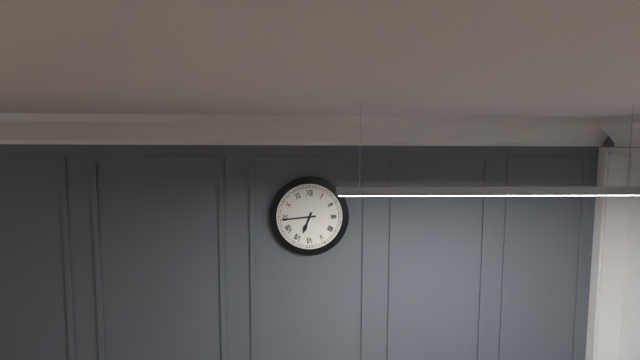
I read 6,44
